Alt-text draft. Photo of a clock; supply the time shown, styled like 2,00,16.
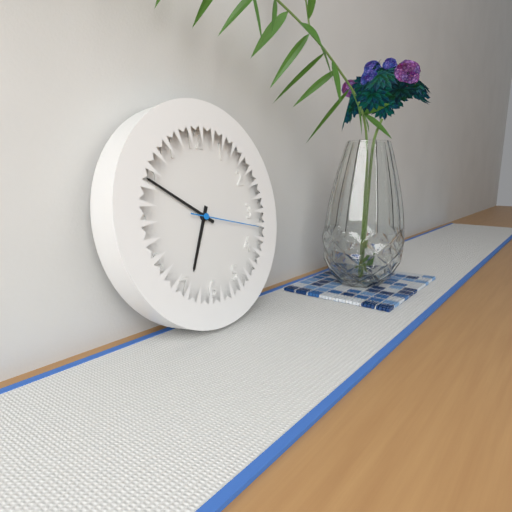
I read 6,50,17
